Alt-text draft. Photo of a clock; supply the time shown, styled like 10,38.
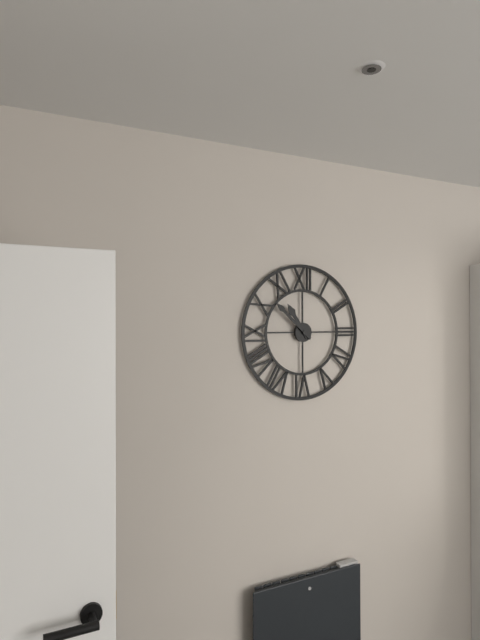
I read 10,52
